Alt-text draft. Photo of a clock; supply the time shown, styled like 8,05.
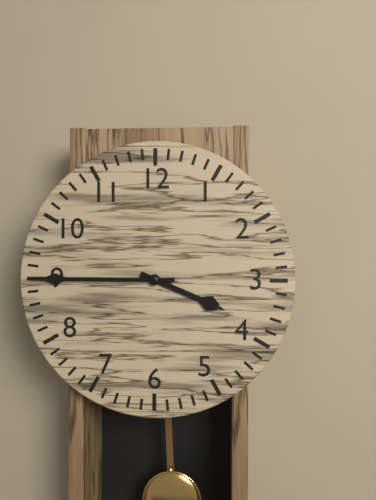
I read 3,45
